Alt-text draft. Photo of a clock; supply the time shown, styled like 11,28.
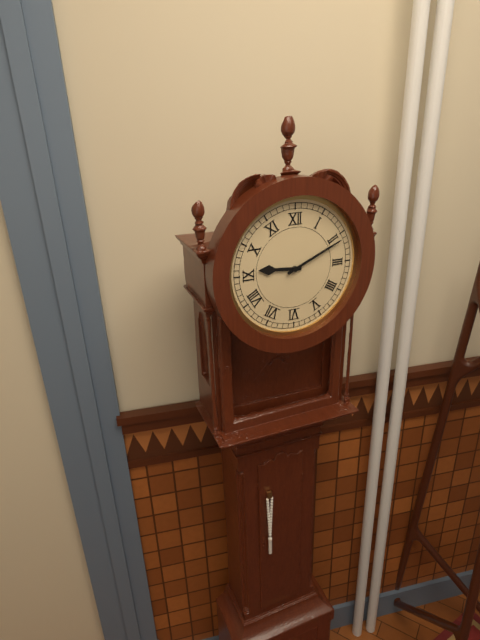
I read 9,11
